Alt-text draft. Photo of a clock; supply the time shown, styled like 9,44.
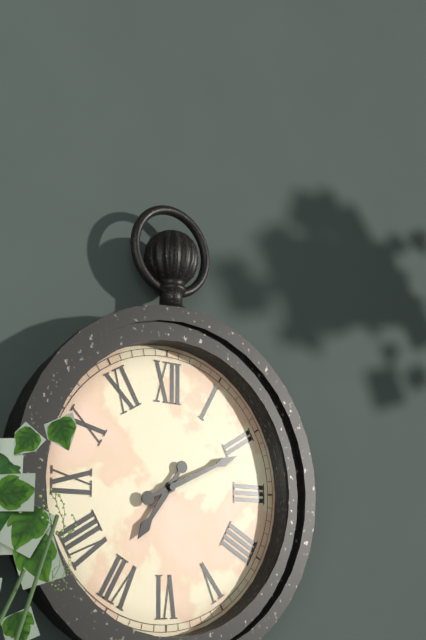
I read 7,11
